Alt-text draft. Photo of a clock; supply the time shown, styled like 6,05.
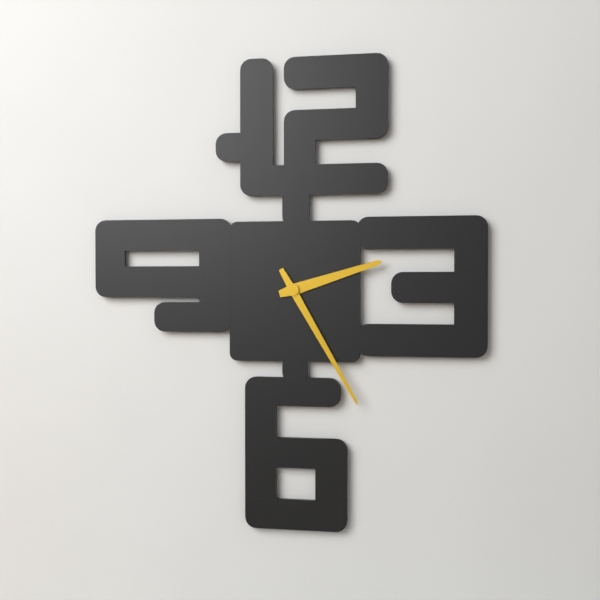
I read 2,25
